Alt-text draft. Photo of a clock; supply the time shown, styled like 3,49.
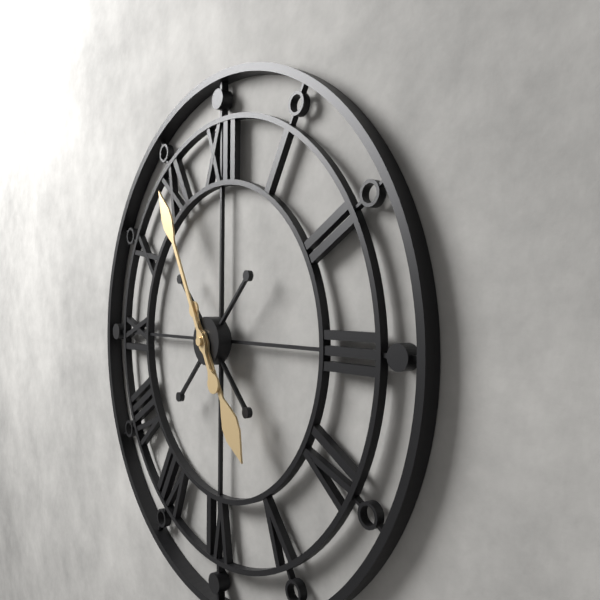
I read 4,55
